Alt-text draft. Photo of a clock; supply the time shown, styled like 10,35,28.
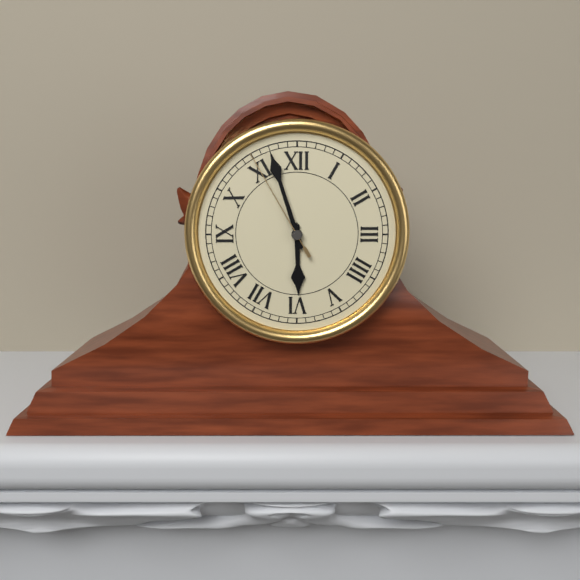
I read 5,57,55
